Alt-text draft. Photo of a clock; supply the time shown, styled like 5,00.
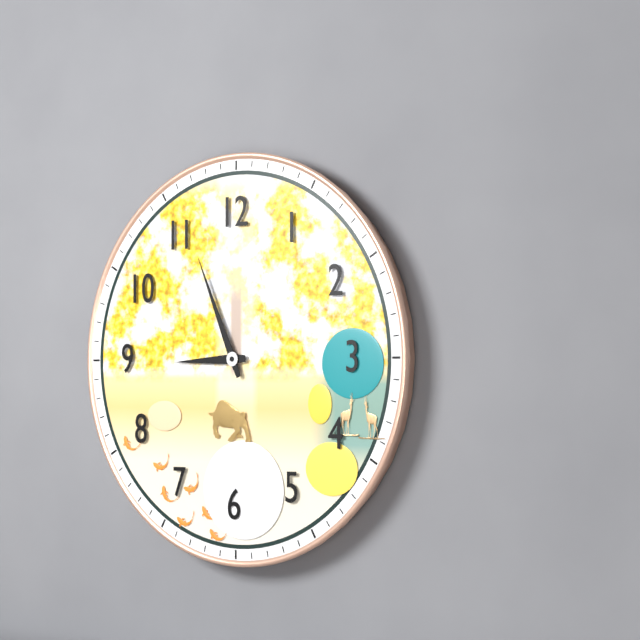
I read 8,56
